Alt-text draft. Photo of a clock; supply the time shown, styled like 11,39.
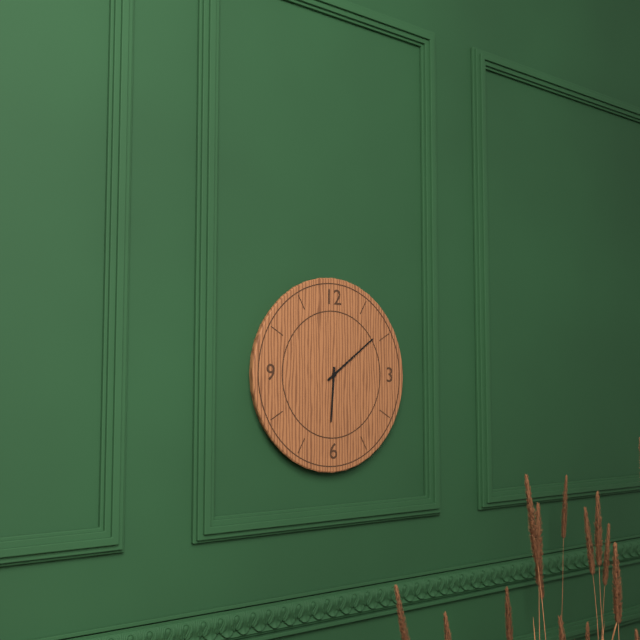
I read 6,09
